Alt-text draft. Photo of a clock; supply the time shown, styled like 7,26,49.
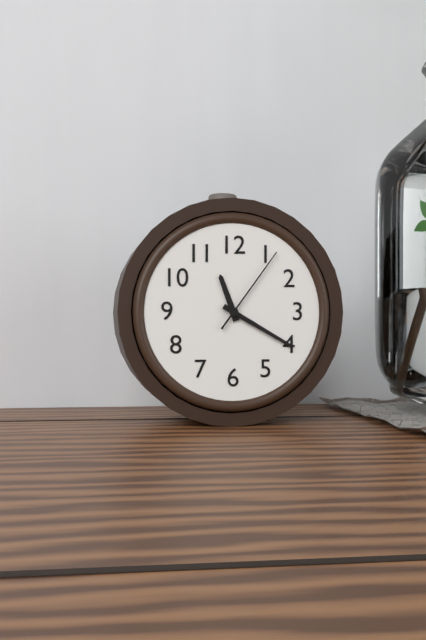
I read 11,20,06
